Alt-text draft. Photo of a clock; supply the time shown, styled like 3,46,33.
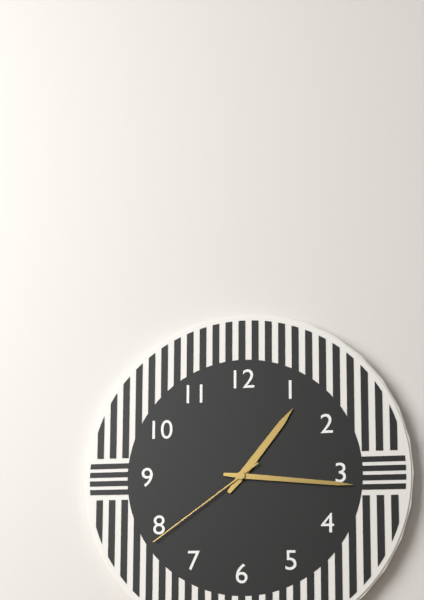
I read 1,16,39
